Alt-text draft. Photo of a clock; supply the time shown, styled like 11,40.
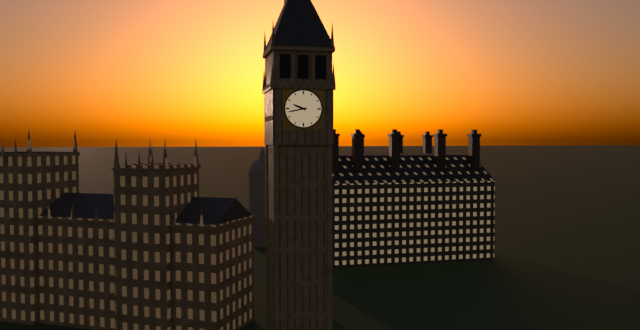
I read 9,43
